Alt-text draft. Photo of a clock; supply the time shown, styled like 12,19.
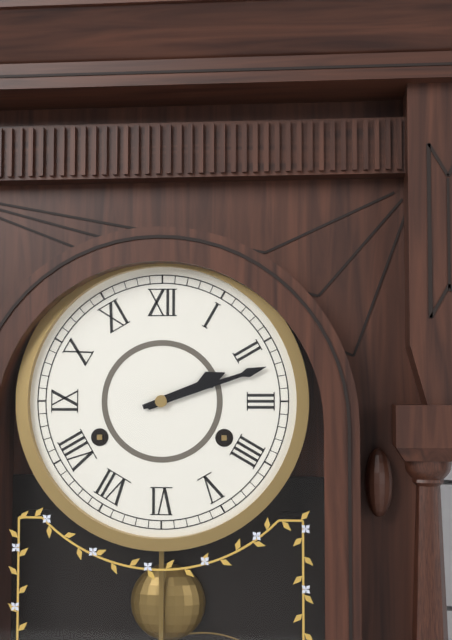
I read 2,12
